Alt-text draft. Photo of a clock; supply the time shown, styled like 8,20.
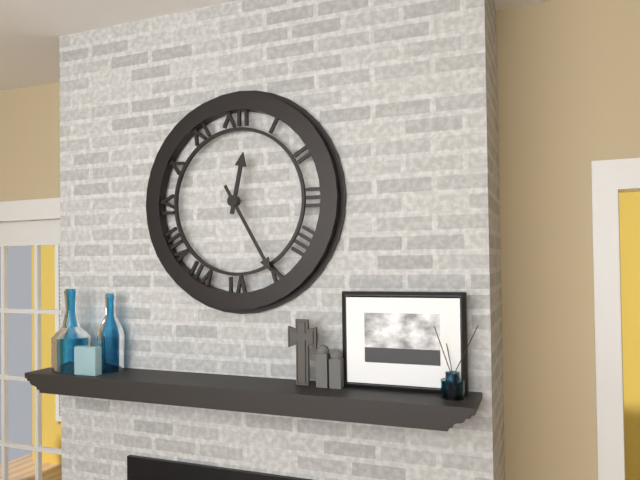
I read 12,25
